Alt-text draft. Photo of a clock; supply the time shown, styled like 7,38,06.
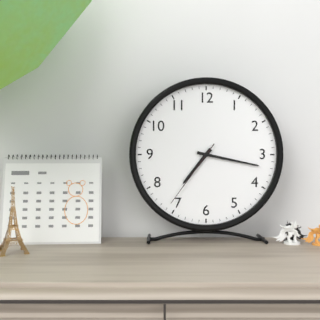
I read 7,17,36
